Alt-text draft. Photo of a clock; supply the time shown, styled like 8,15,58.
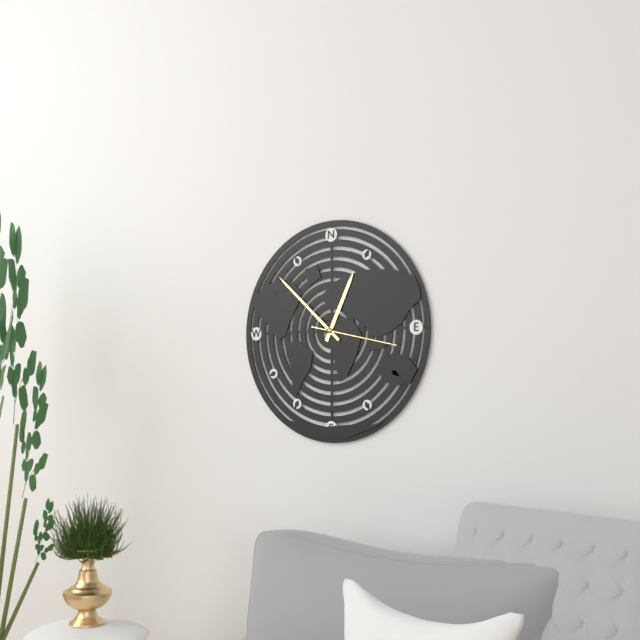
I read 12,52,17
